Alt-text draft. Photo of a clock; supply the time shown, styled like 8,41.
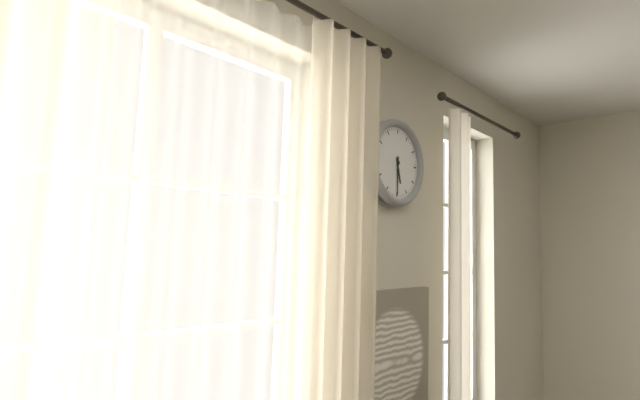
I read 5,30
